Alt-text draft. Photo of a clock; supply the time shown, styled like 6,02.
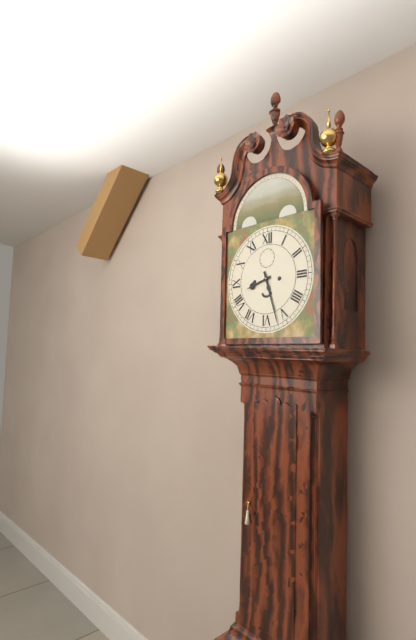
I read 8,27
